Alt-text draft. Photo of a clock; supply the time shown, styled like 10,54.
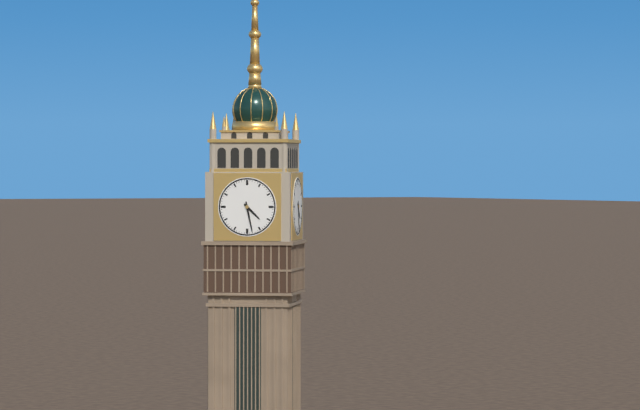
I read 4,28
